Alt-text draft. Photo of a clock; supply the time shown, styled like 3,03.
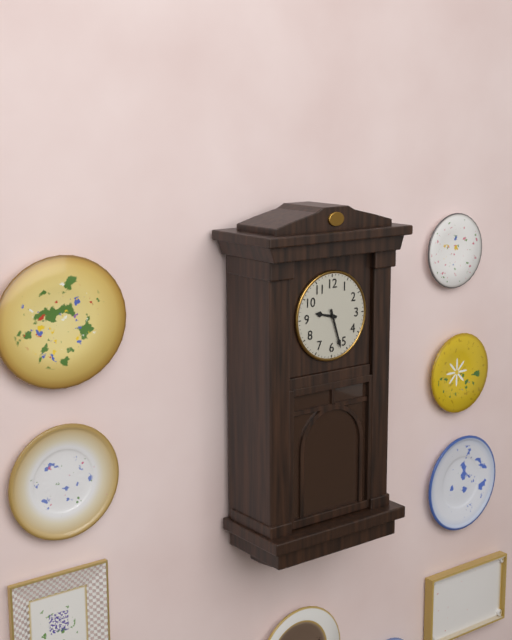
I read 9,27
